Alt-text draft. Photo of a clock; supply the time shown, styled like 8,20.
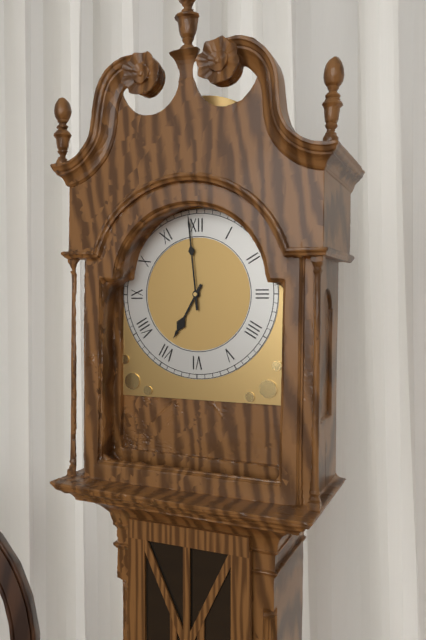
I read 6,59
